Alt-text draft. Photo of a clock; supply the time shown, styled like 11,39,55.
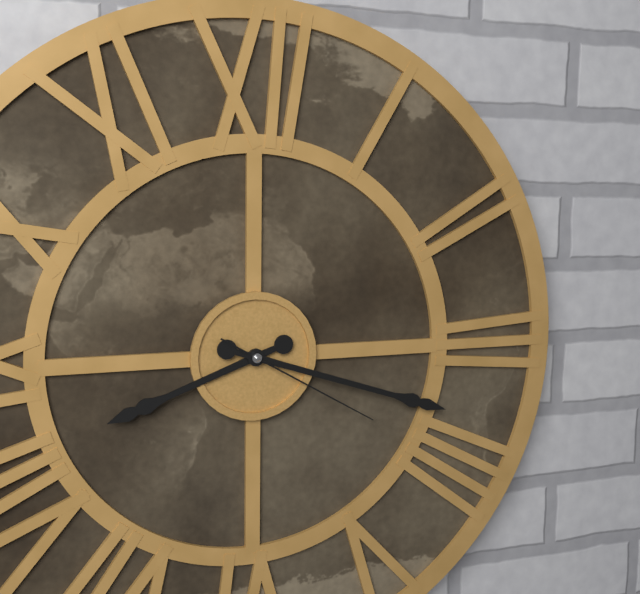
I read 8,18,20
